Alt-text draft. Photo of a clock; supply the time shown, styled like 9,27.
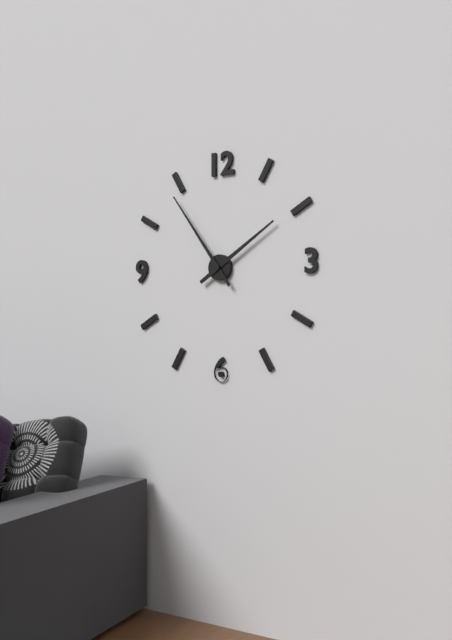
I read 1,54
